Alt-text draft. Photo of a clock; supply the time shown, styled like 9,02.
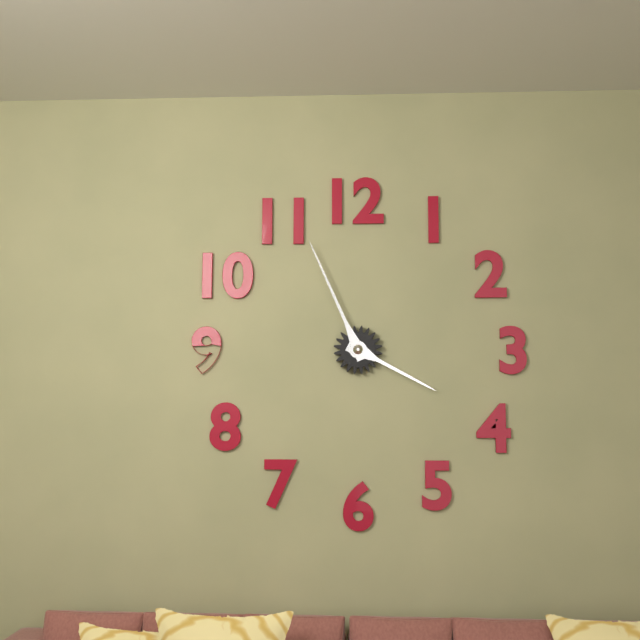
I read 3,56
